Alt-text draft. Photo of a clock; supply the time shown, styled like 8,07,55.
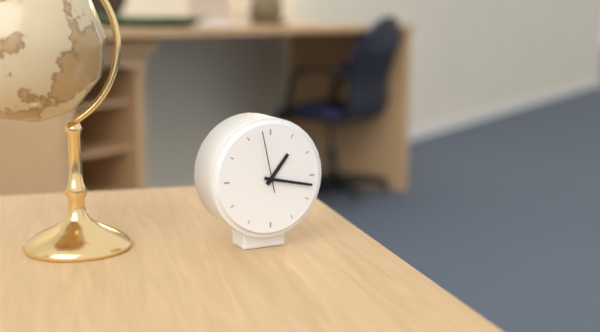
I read 1,17,58
